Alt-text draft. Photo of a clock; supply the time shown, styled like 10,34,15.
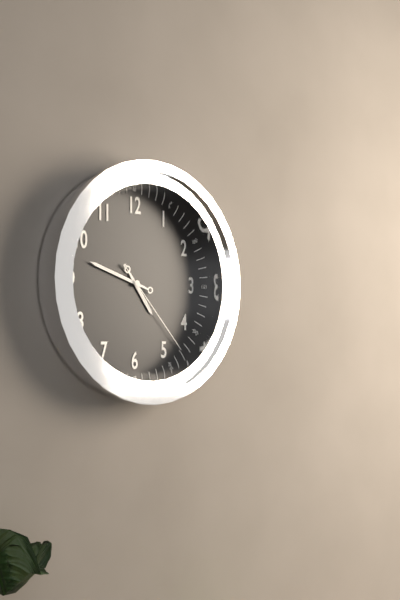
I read 4,48,23
